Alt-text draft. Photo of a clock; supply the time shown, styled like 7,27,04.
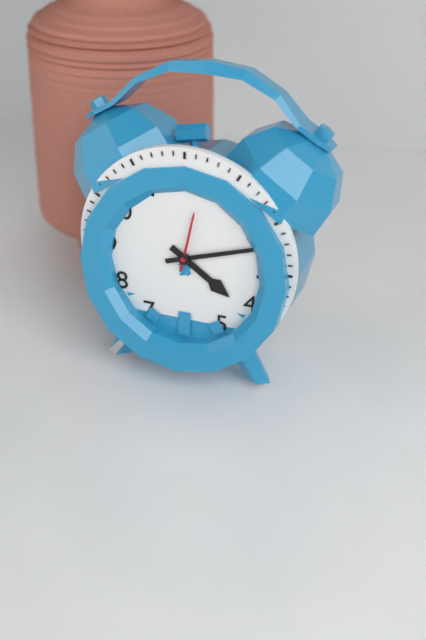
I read 4,12,02
